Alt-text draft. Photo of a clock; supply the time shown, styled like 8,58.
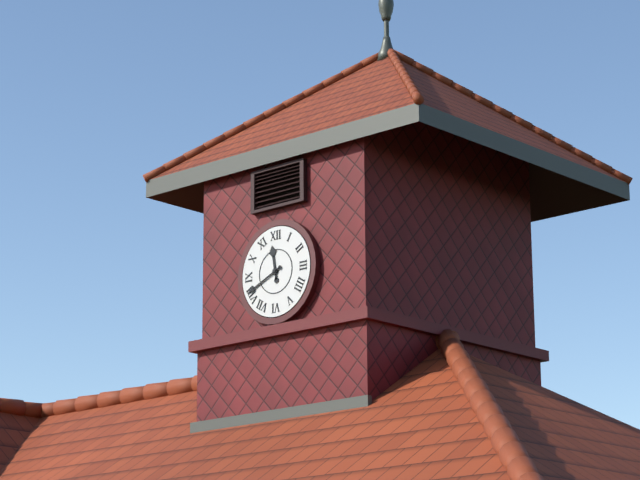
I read 11,41
